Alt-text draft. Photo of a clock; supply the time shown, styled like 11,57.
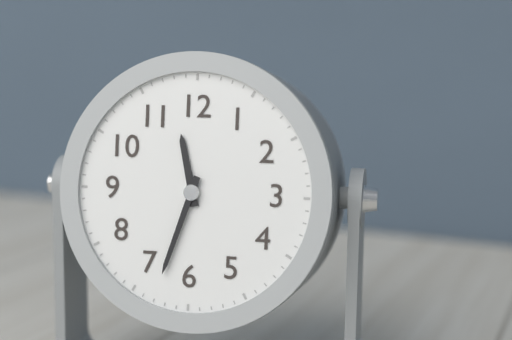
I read 11,33
